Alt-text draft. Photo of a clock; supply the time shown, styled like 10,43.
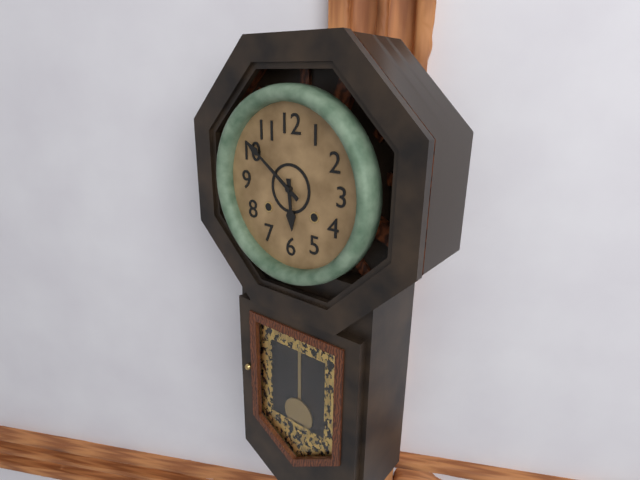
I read 5,51
